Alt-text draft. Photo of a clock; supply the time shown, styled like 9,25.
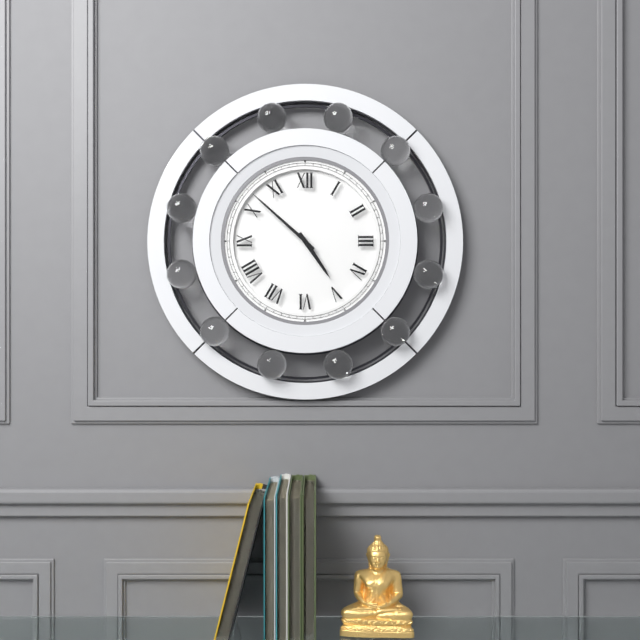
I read 4,52
